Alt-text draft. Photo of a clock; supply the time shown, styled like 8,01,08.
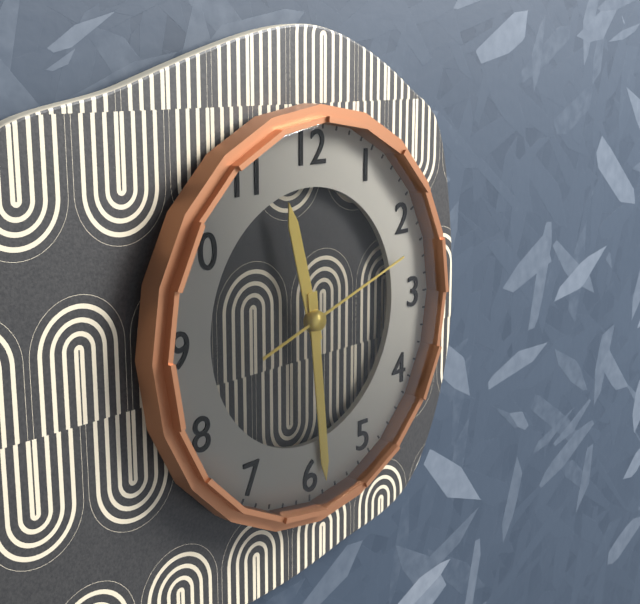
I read 11,29,12
